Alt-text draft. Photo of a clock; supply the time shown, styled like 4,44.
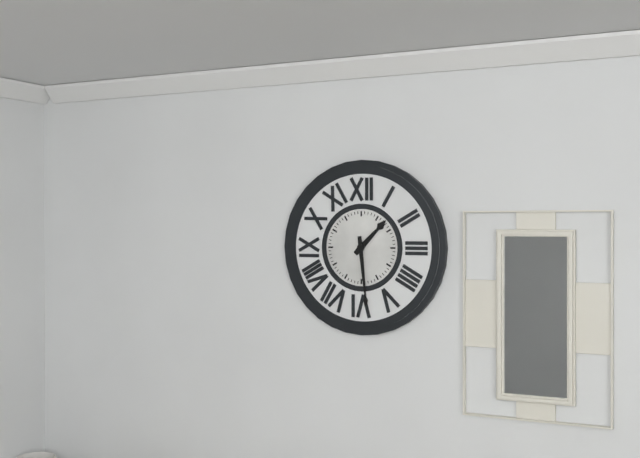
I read 1,29
